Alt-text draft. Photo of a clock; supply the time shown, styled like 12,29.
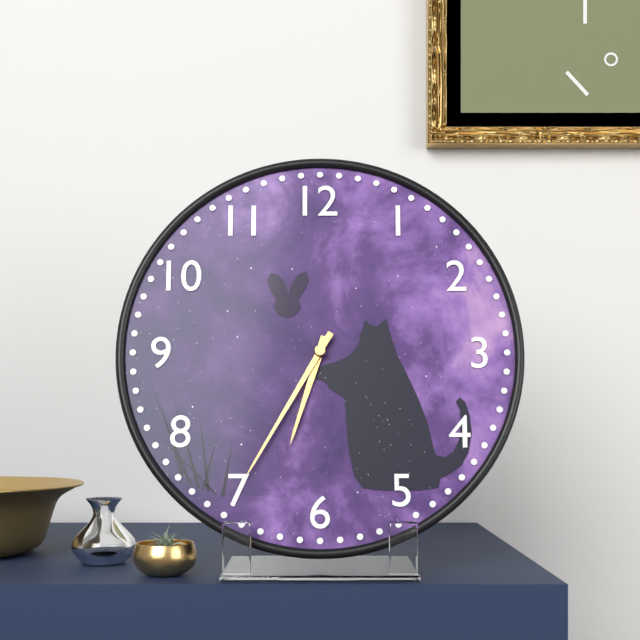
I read 6,35
